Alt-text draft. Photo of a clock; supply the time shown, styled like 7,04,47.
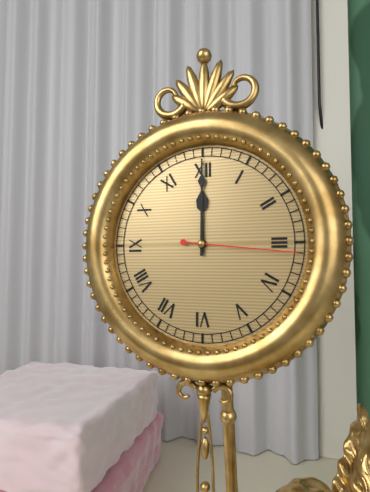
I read 12,00,16
